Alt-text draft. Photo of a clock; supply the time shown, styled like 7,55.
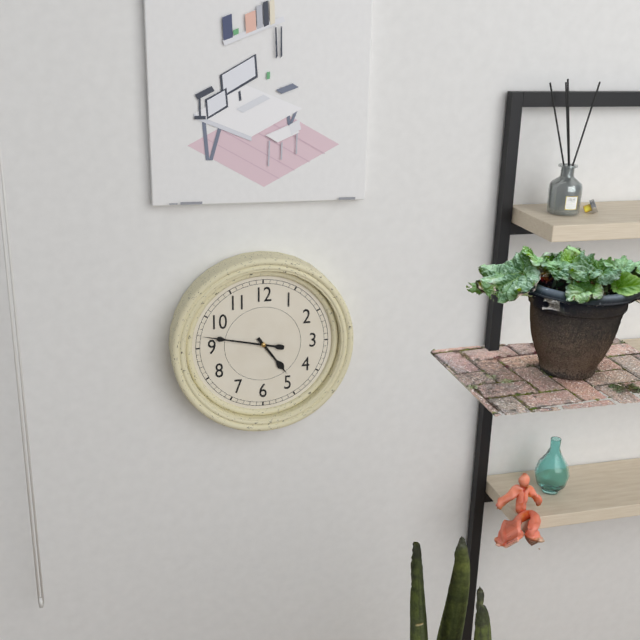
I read 4,47
